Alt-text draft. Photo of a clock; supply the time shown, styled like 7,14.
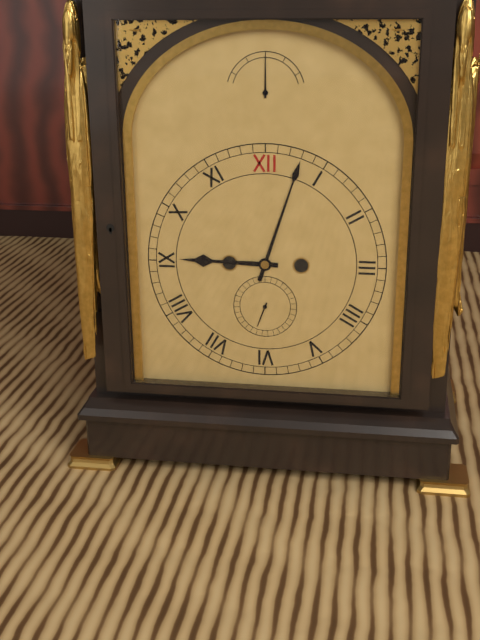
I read 9,03
